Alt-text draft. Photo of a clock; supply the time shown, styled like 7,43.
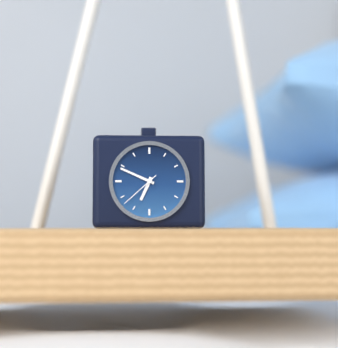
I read 6,49
